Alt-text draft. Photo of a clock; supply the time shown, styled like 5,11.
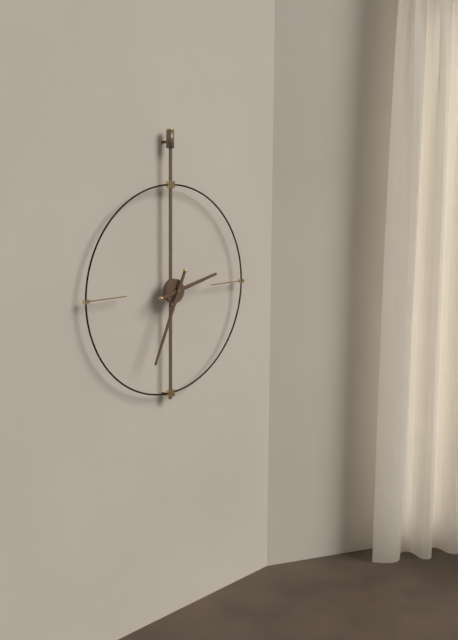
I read 2,34
